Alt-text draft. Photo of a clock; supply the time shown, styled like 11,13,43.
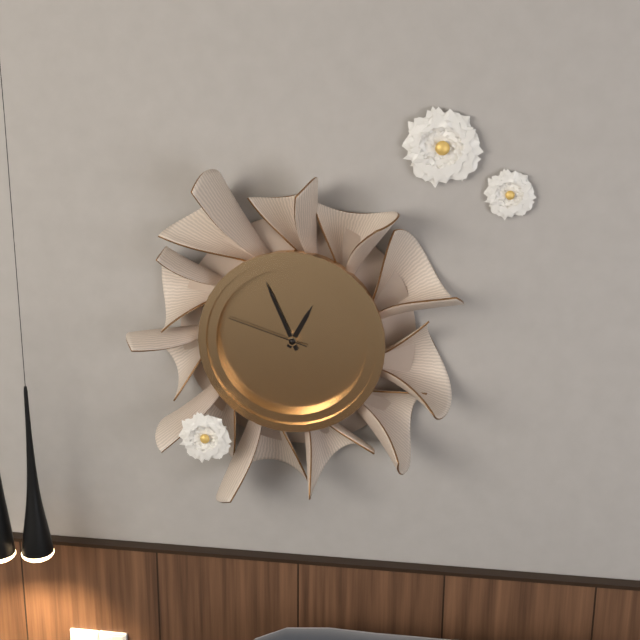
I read 12,56,48
